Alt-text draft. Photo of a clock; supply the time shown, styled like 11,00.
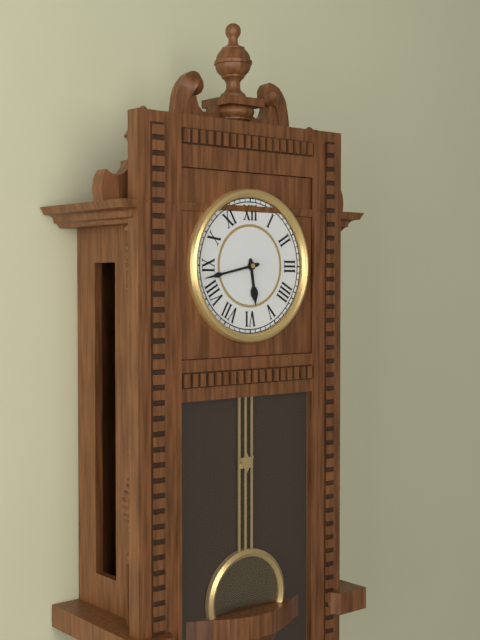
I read 5,43
